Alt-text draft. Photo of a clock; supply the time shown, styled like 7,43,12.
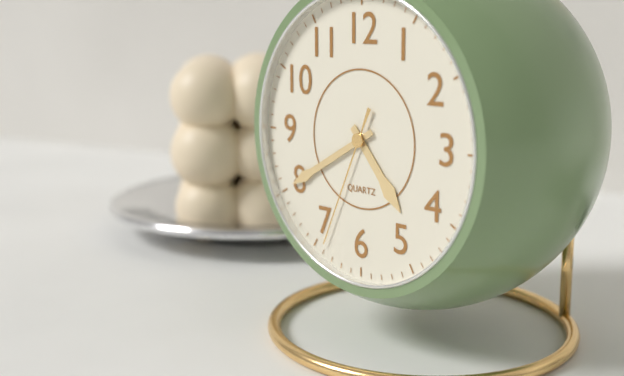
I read 4,40,34
